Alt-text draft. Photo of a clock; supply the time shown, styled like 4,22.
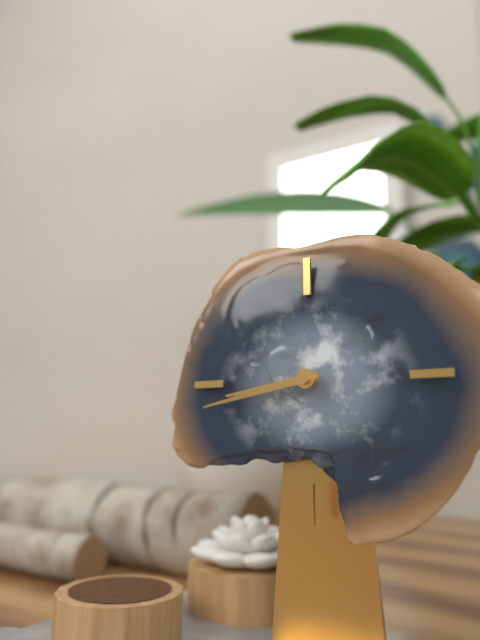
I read 8,43
